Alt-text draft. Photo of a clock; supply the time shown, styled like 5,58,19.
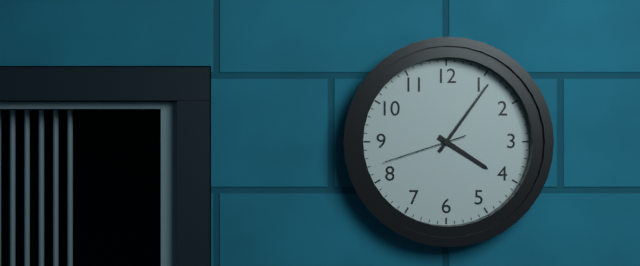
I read 4,06,42
